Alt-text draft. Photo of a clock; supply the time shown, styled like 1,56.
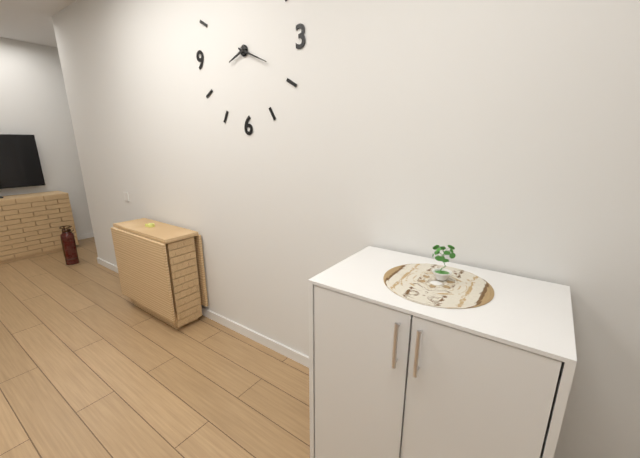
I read 8,19
